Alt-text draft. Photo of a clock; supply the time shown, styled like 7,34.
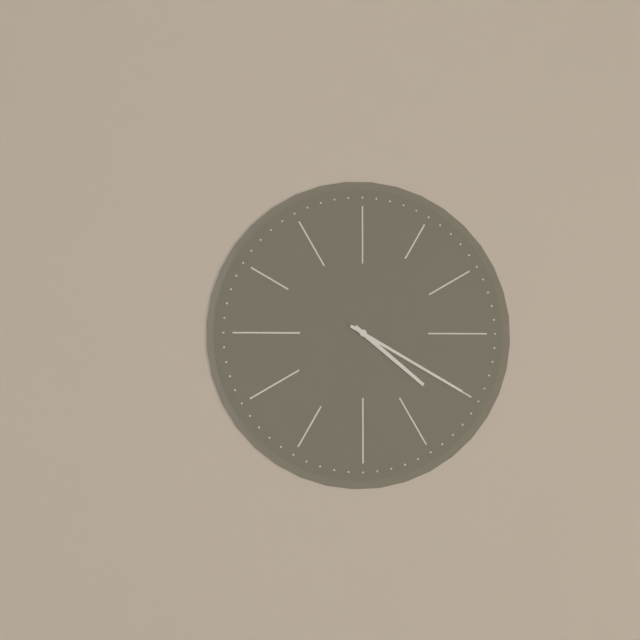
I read 4,20
